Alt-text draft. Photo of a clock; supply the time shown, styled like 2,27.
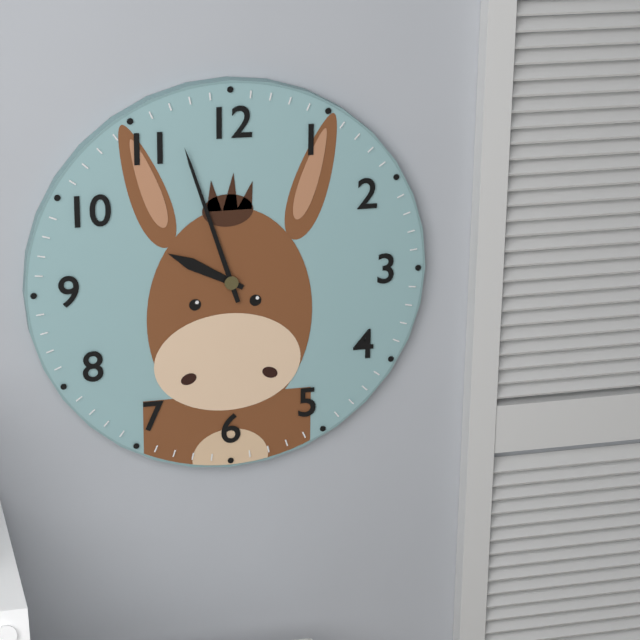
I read 9,57
